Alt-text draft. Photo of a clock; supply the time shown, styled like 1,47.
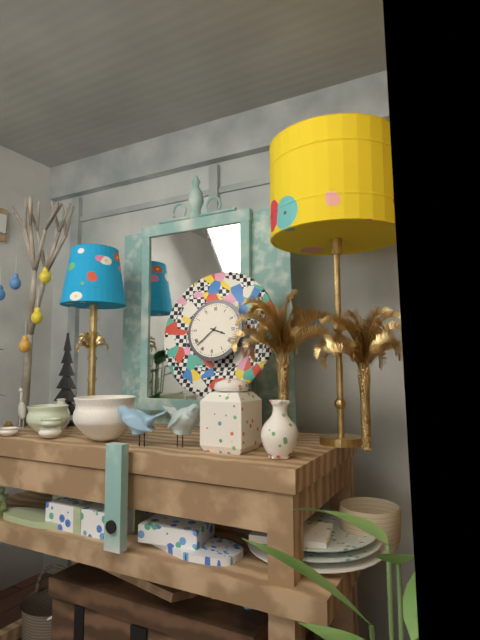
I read 3,38
